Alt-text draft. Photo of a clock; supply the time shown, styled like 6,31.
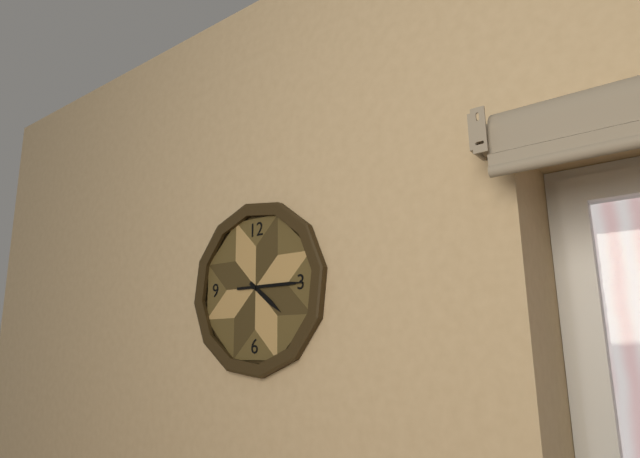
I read 4,15
